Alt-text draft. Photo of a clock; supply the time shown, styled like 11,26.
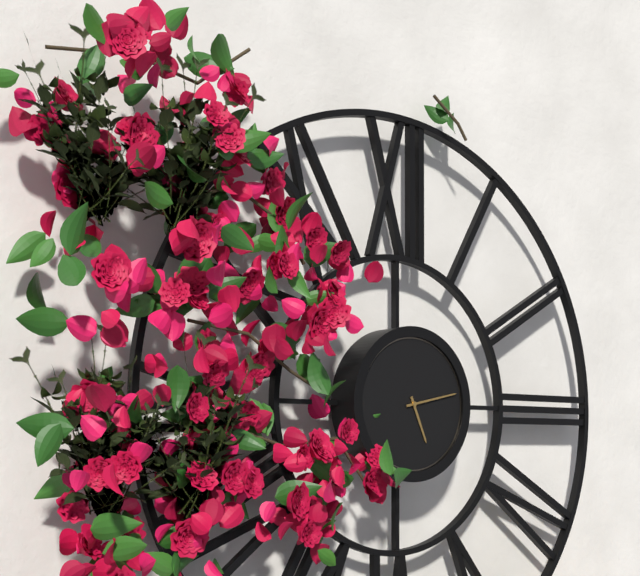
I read 5,13
